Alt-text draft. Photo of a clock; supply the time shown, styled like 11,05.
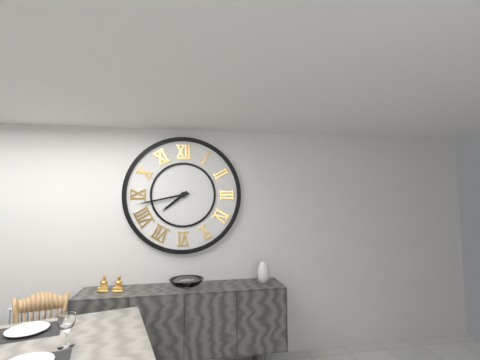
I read 7,43
